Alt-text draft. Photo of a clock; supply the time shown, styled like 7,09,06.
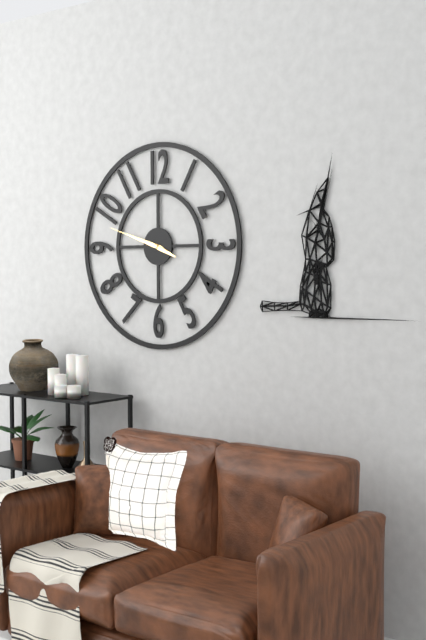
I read 3,48,48
